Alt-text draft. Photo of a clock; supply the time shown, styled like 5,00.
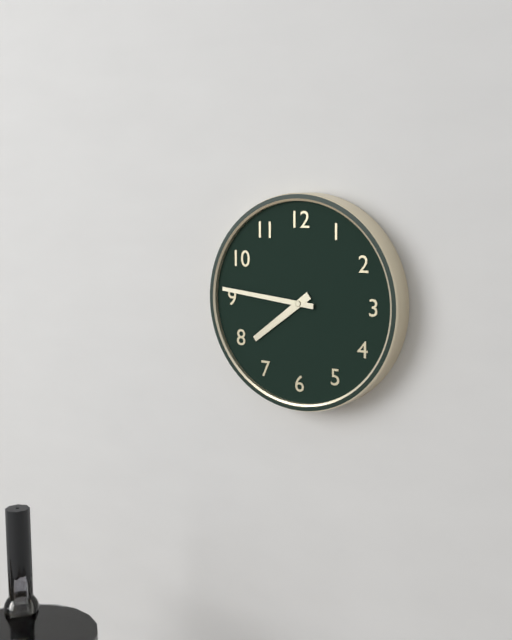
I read 7,46
